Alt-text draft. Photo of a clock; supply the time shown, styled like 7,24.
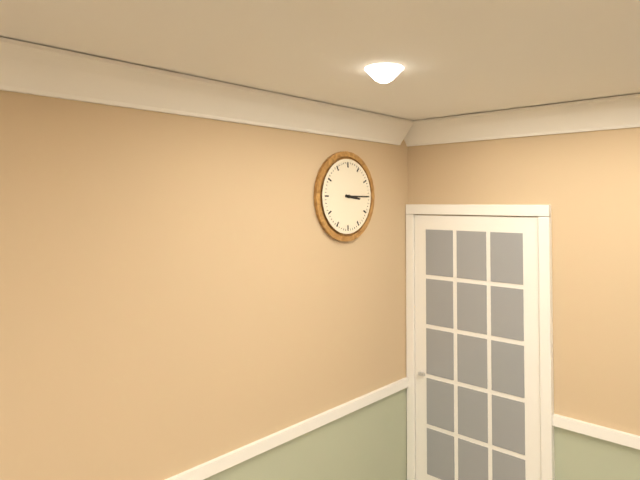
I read 3,15
